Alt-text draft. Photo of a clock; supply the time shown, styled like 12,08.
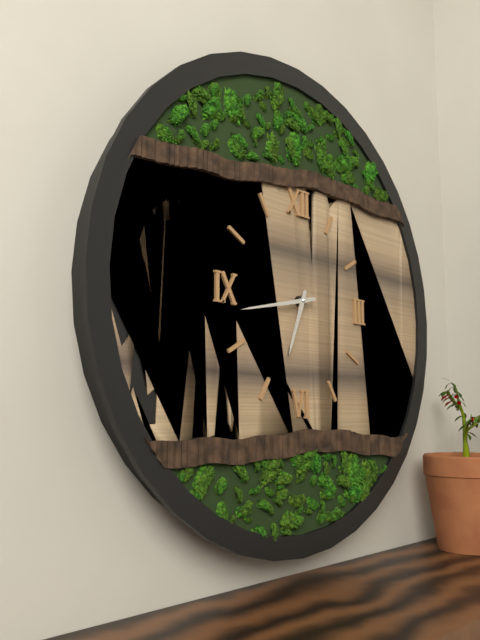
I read 6,43
